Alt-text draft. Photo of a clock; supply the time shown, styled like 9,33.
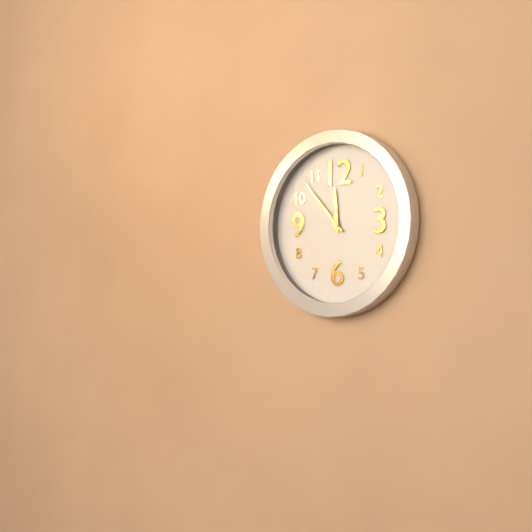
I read 11,53
